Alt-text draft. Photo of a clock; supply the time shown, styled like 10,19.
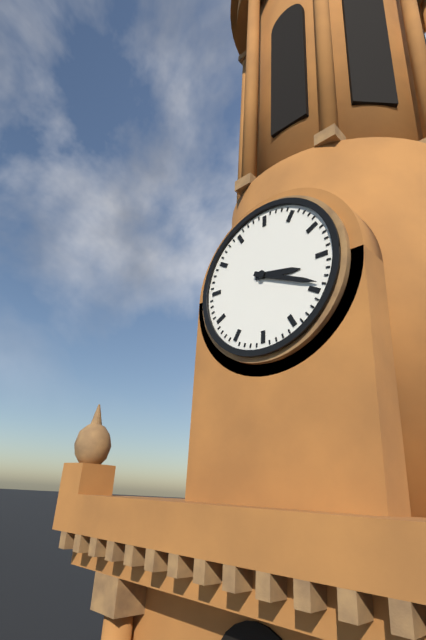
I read 3,19
